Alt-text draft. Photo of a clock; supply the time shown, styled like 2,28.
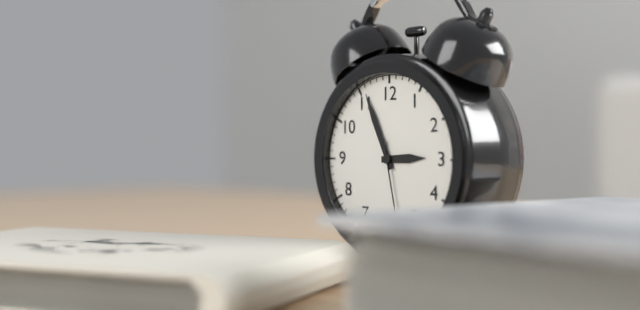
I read 2,56
